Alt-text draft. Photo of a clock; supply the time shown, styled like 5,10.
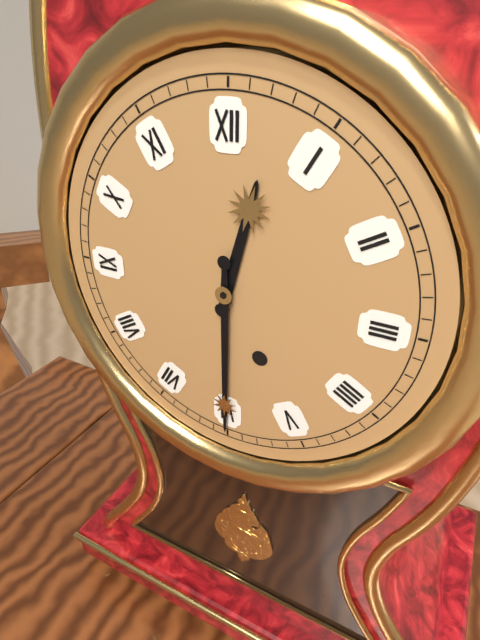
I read 12,30
